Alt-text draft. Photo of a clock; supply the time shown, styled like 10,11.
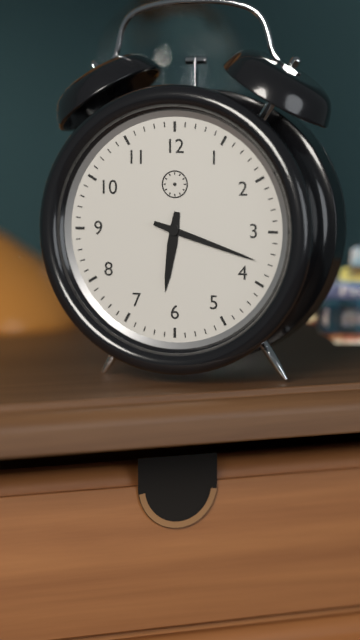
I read 6,18
